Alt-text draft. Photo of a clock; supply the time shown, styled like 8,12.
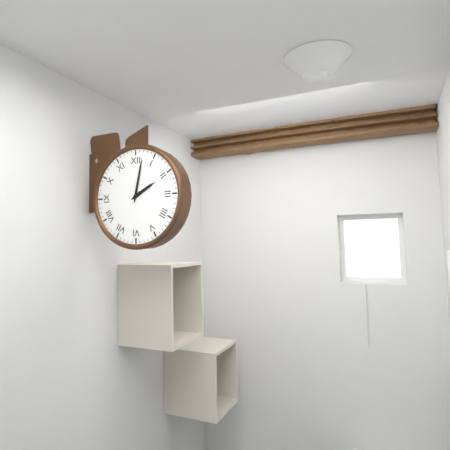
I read 2,02
